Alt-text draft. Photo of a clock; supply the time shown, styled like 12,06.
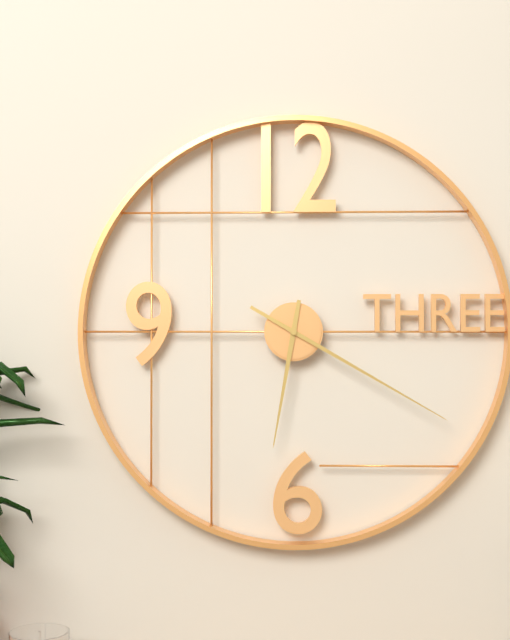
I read 6,20
